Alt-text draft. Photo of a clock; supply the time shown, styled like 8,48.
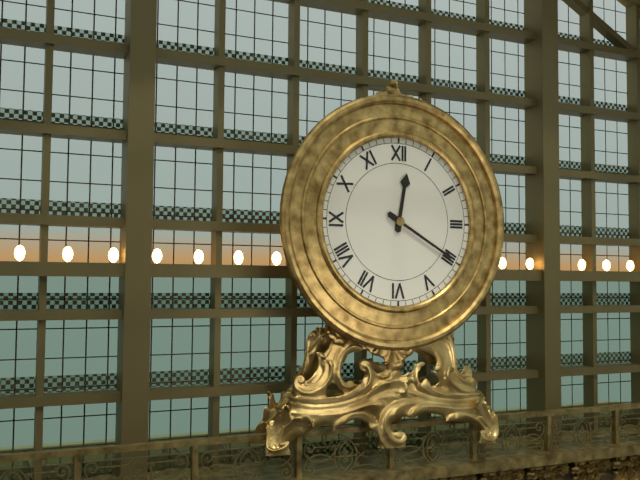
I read 12,20
